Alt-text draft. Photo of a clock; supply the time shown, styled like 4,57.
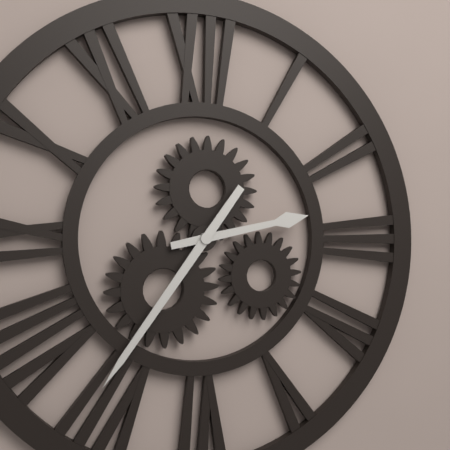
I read 2,36
